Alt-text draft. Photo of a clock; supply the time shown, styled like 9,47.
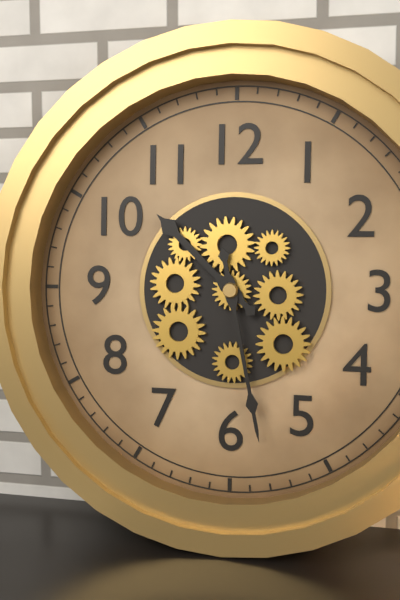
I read 10,28
